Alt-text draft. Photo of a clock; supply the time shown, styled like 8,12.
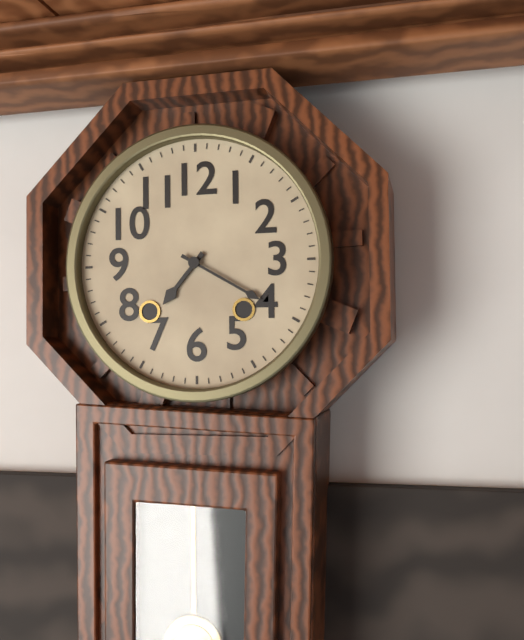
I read 7,20
